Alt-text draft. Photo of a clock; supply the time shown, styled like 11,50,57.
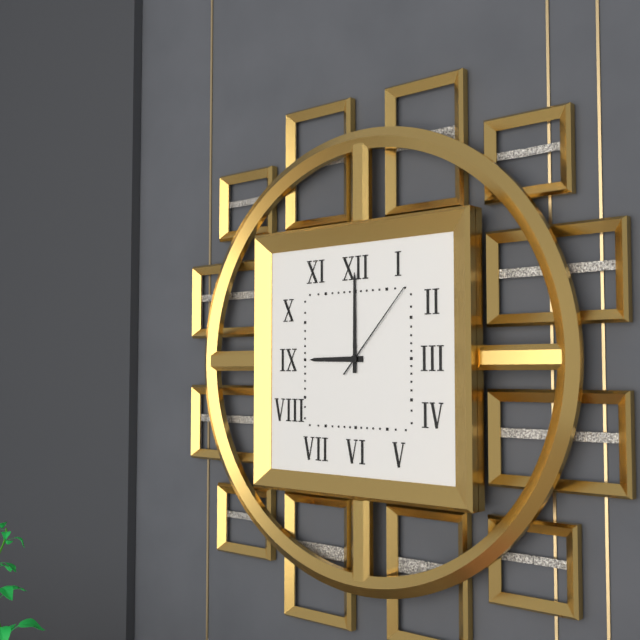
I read 9,00,07
